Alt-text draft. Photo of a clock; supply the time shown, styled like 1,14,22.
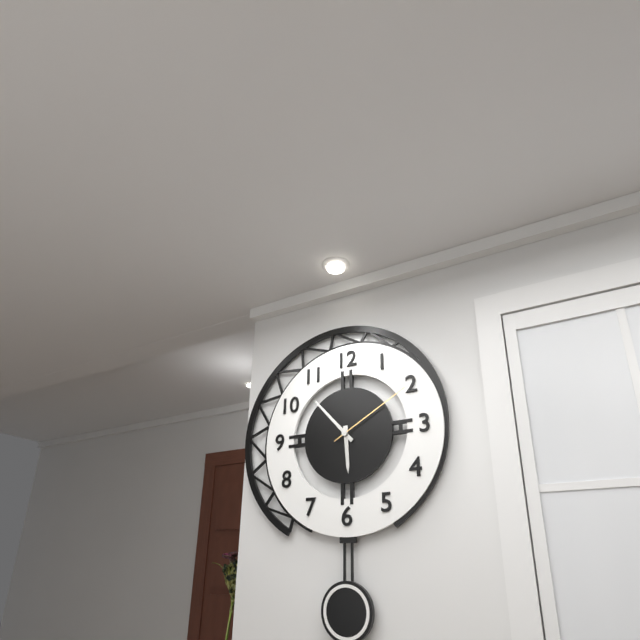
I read 5,53,10
